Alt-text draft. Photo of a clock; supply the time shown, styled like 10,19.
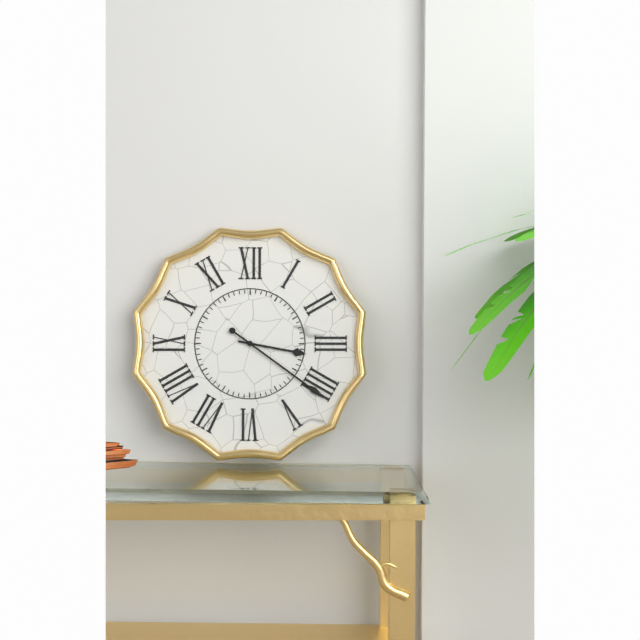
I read 3,21
